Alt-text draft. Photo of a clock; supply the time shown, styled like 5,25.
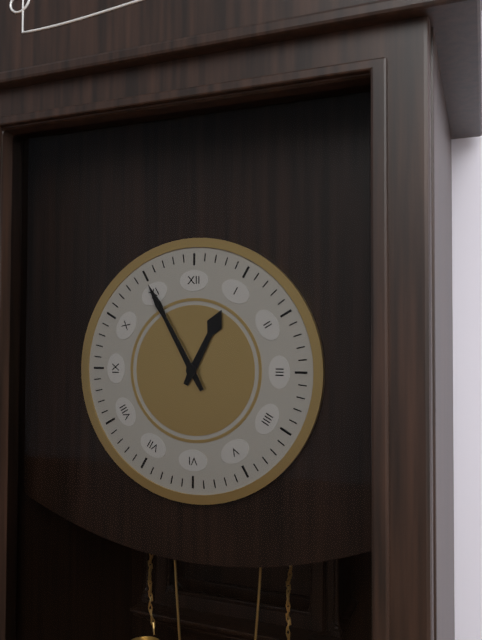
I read 12,55
